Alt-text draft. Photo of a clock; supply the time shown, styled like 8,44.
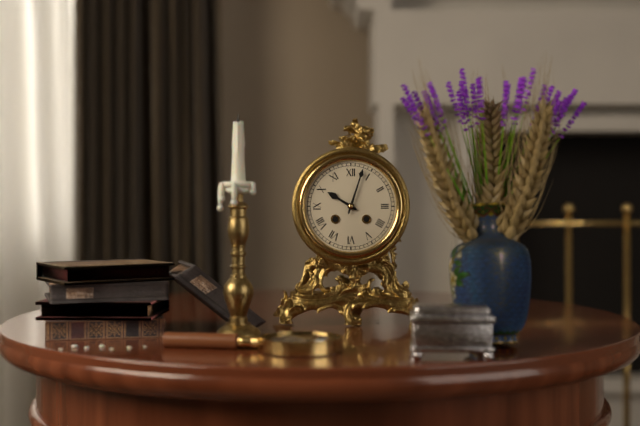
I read 10,03
